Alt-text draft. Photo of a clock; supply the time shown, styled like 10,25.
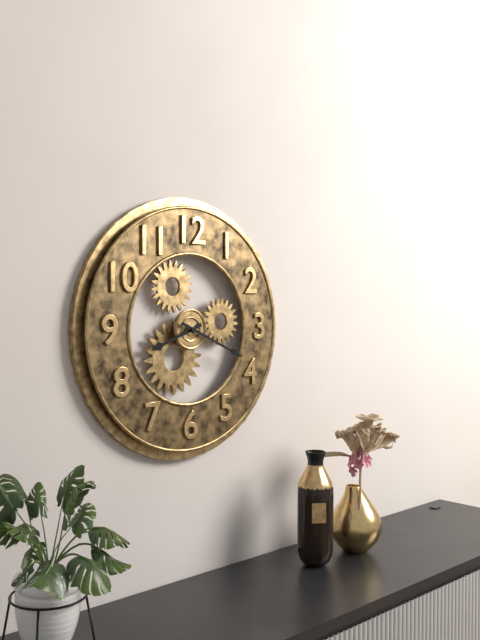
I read 8,19
